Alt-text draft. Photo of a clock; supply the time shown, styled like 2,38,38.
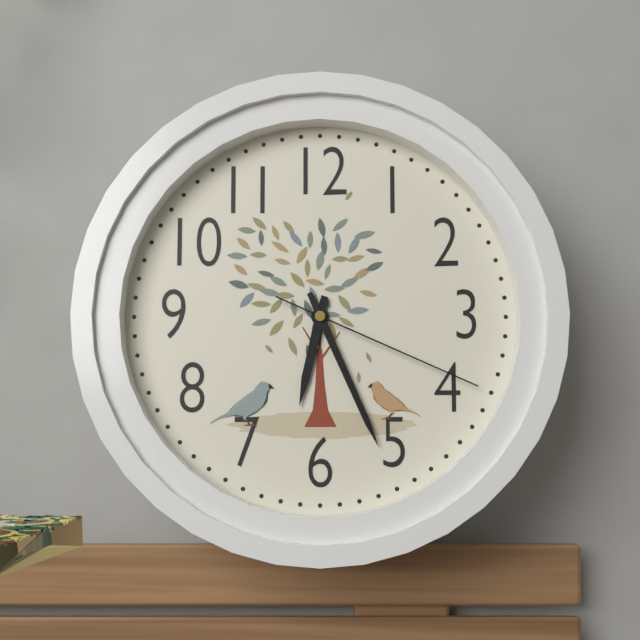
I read 6,26,19
